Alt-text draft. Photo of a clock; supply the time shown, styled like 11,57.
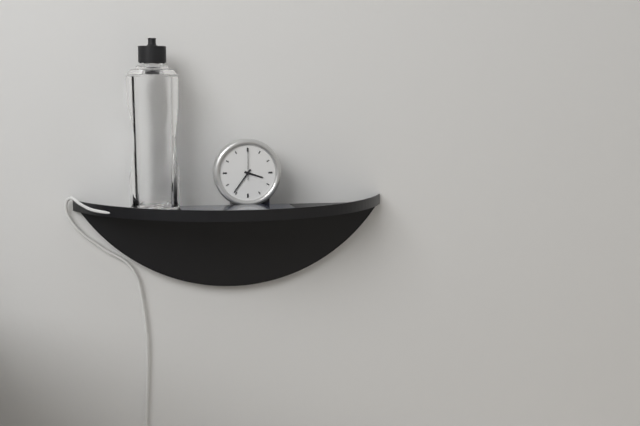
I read 3,36
